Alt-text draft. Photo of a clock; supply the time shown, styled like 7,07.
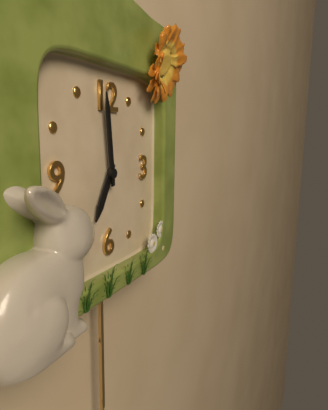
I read 6,59
